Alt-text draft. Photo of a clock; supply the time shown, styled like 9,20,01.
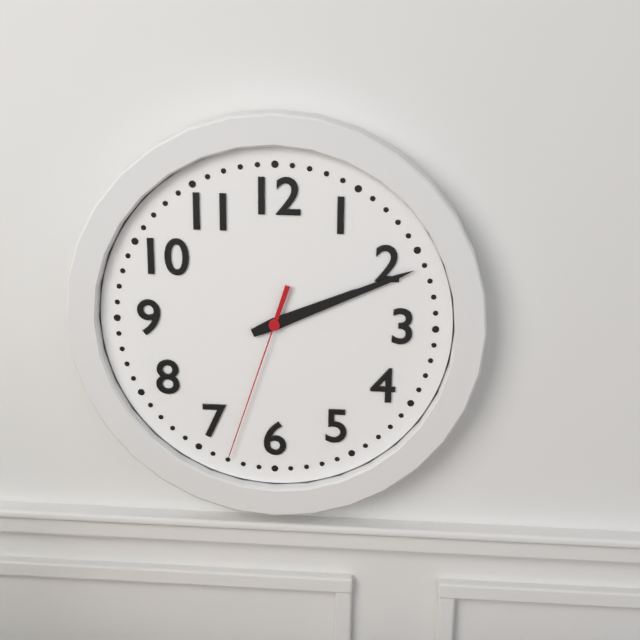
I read 2,11,33
